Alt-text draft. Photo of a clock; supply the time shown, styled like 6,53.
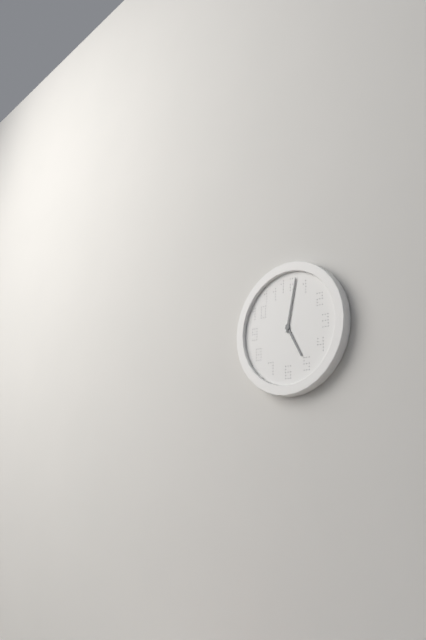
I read 5,02
